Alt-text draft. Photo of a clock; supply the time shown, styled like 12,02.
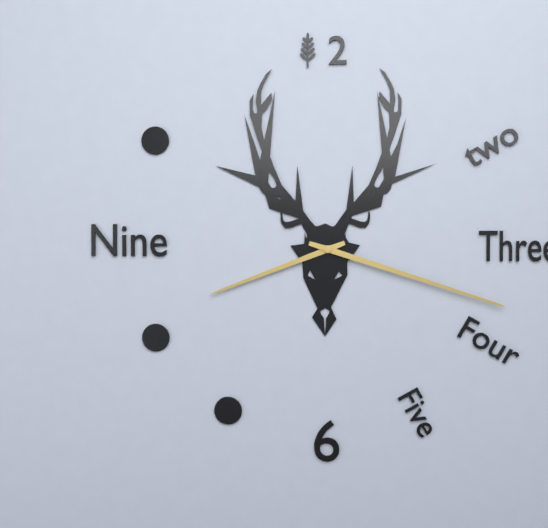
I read 8,18
